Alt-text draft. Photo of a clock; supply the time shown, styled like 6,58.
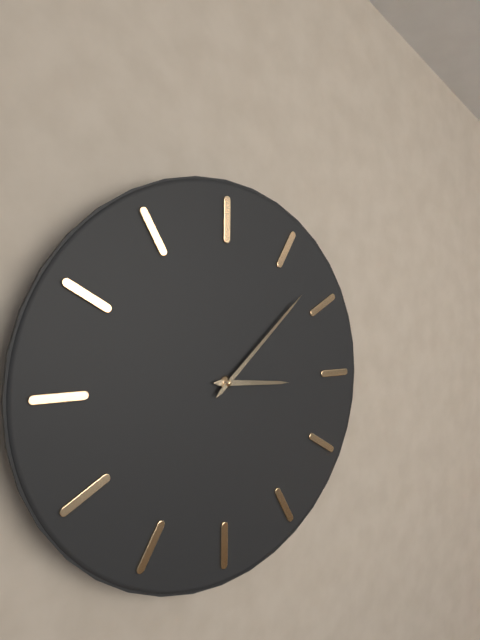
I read 3,08
